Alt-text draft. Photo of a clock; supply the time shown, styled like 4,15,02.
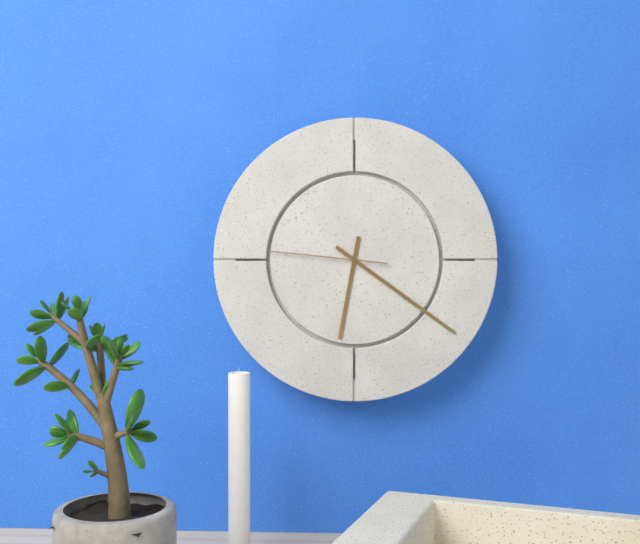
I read 6,21,46
